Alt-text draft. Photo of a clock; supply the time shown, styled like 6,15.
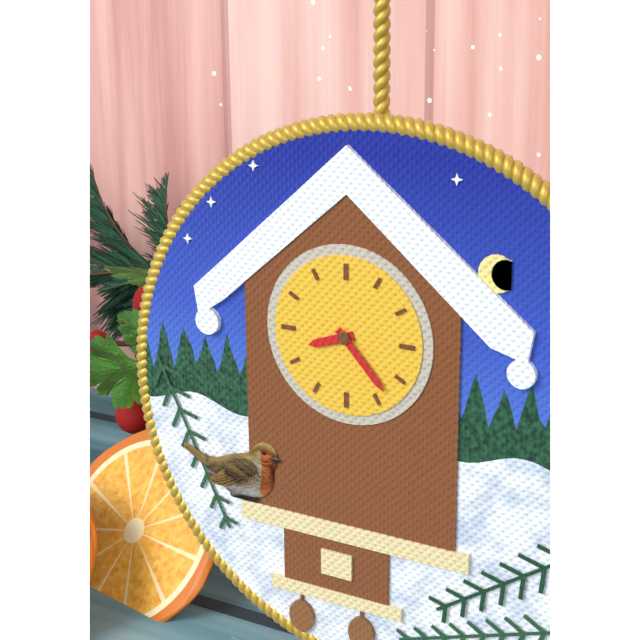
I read 8,23
